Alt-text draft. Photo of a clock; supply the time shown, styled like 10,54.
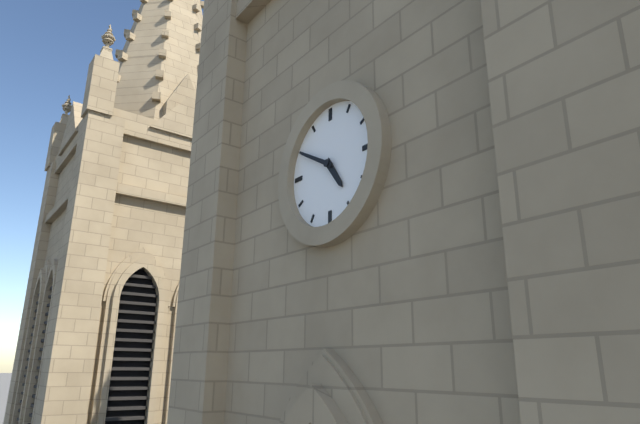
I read 4,50
